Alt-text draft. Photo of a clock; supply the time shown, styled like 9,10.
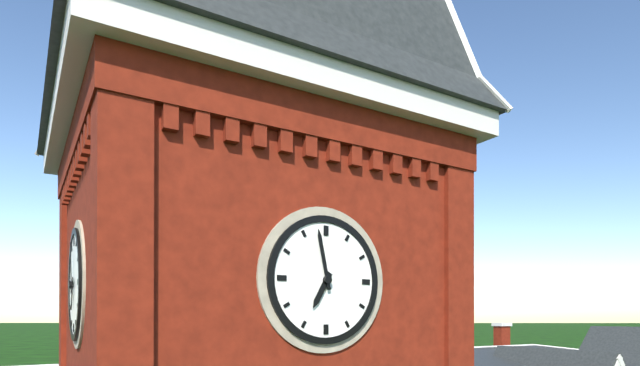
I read 6,58
